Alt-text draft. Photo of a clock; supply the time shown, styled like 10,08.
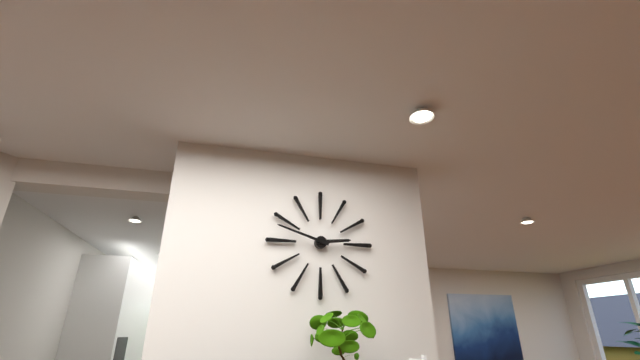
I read 2,48
